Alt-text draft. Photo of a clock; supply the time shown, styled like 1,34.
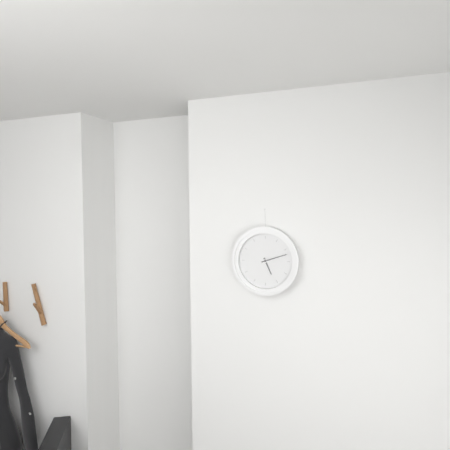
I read 5,12
